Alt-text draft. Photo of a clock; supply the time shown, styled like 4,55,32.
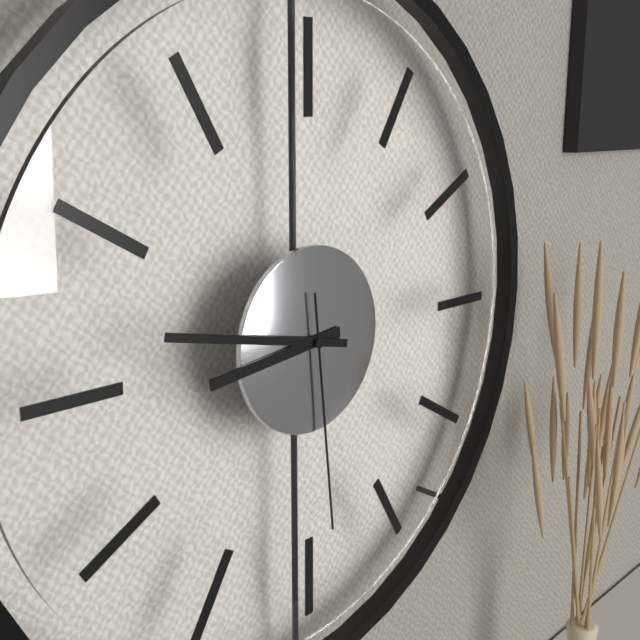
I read 8,47,29
